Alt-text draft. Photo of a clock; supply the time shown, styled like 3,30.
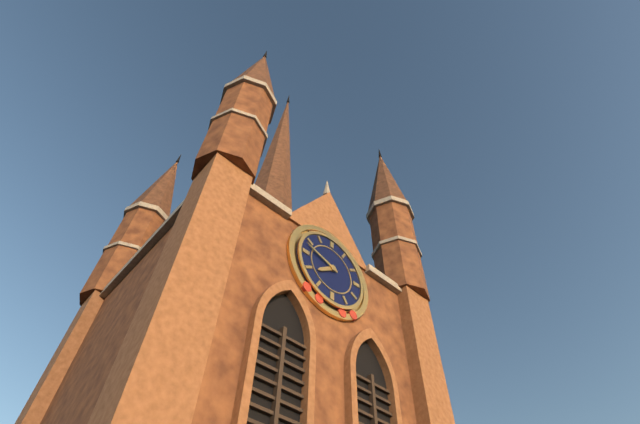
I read 7,48
